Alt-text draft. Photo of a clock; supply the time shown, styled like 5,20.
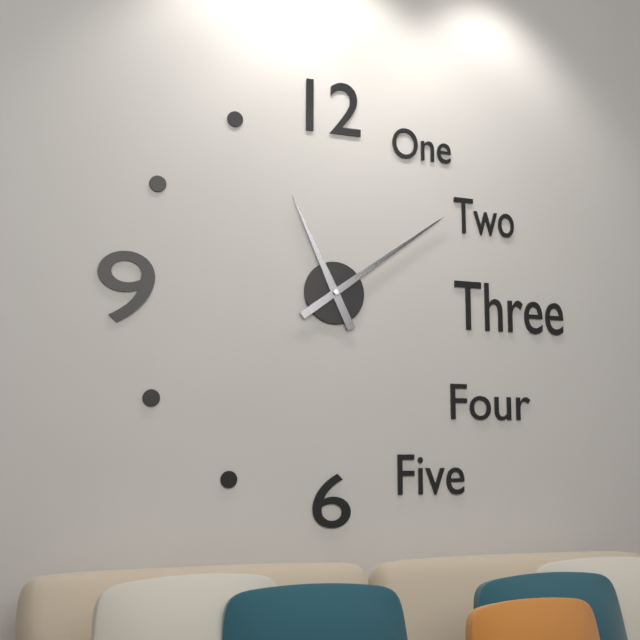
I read 11,09
